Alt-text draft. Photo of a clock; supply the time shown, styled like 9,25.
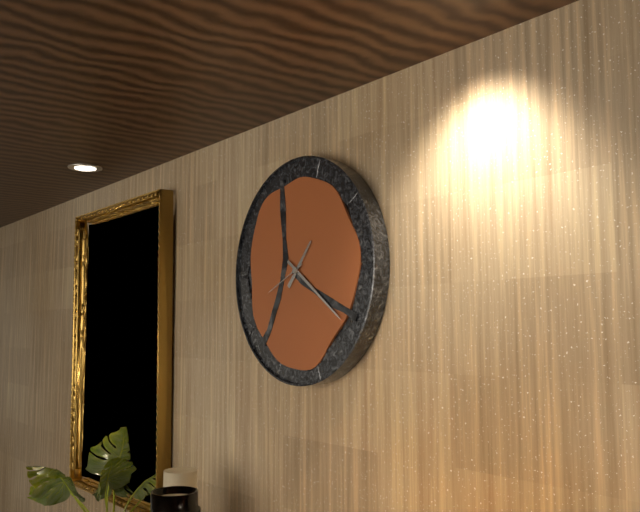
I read 1,21
